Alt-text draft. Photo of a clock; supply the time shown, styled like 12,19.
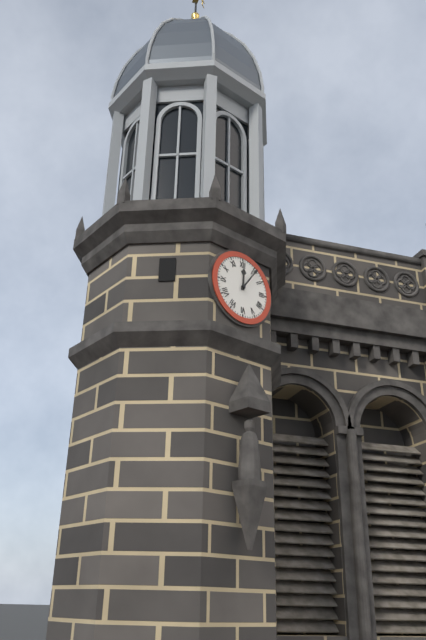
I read 12,06
